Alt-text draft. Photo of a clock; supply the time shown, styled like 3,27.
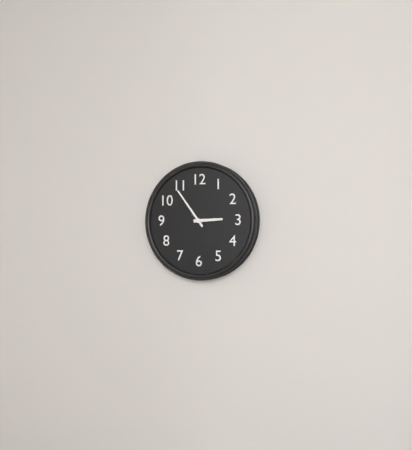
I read 2,54
